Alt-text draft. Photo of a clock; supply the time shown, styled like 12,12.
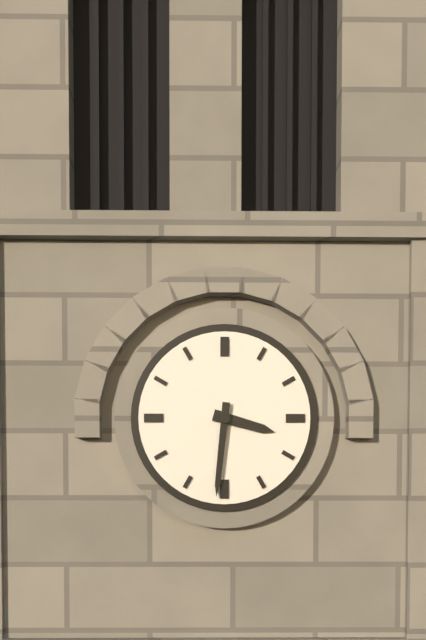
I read 3,31
